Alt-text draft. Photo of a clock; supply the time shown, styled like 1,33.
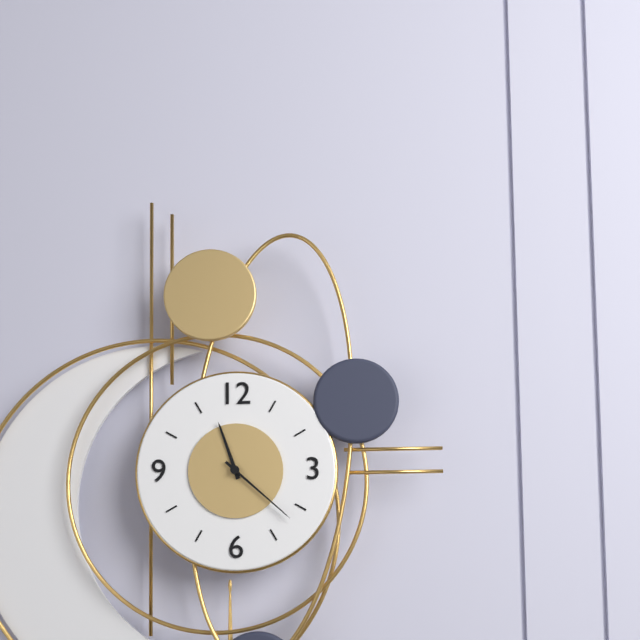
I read 11,22
